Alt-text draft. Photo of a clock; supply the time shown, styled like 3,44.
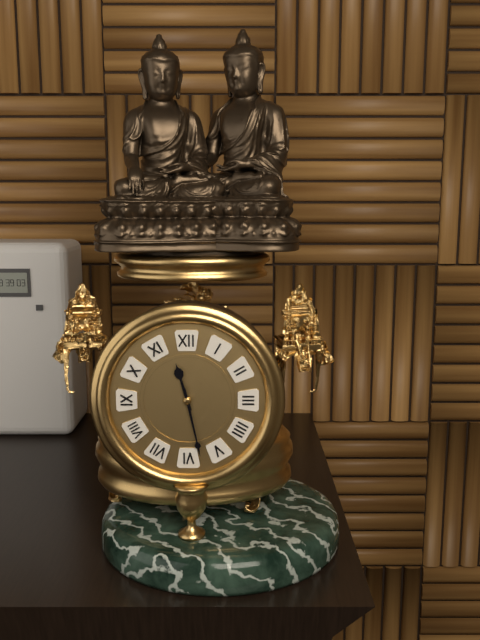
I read 11,28
